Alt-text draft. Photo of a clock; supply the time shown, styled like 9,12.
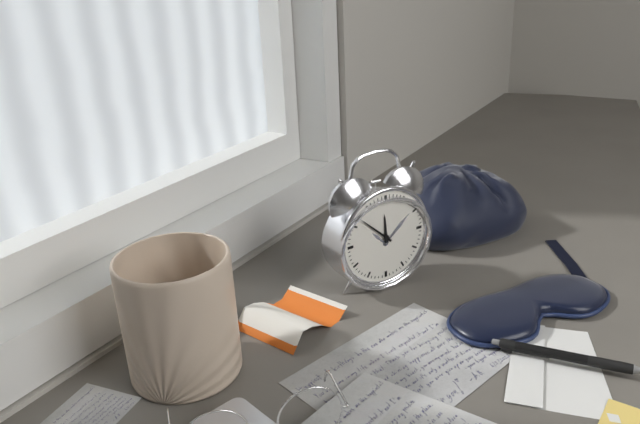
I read 11,52
